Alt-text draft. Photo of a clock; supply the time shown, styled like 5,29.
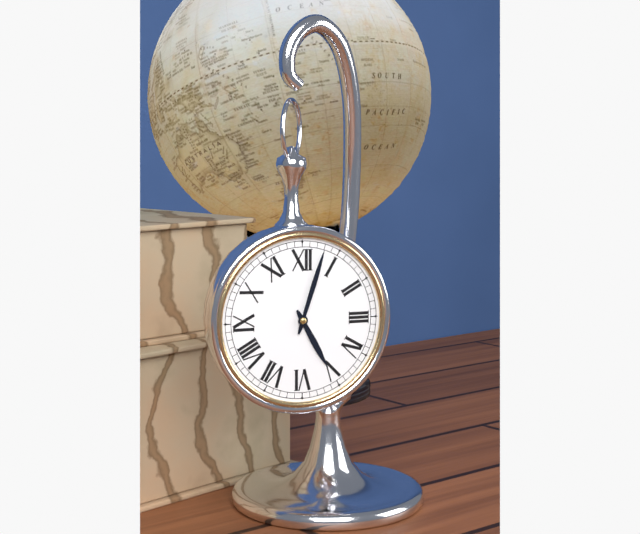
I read 5,03
